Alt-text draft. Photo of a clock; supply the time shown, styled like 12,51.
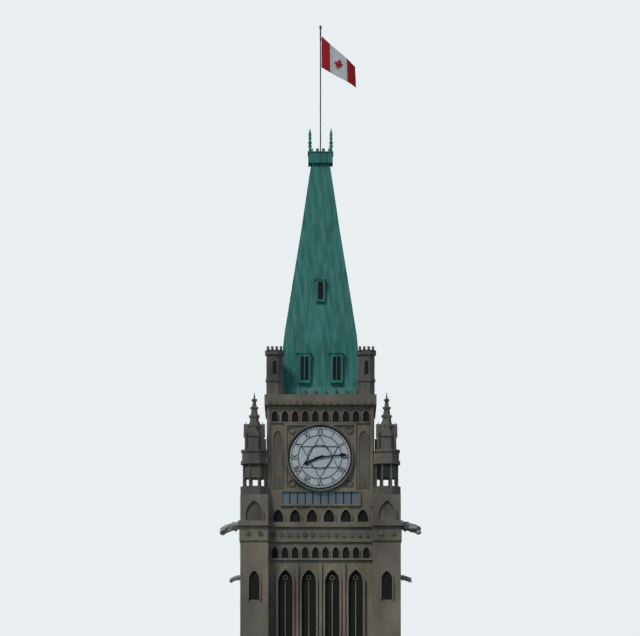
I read 8,14
